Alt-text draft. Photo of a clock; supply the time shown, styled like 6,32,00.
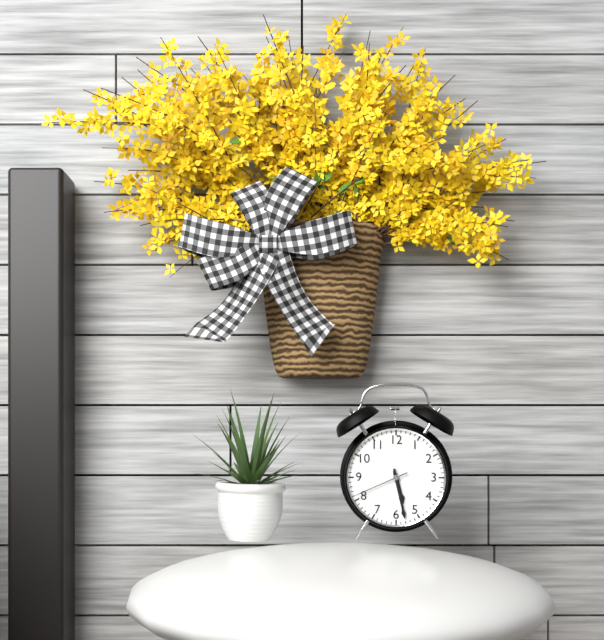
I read 5,28,41
